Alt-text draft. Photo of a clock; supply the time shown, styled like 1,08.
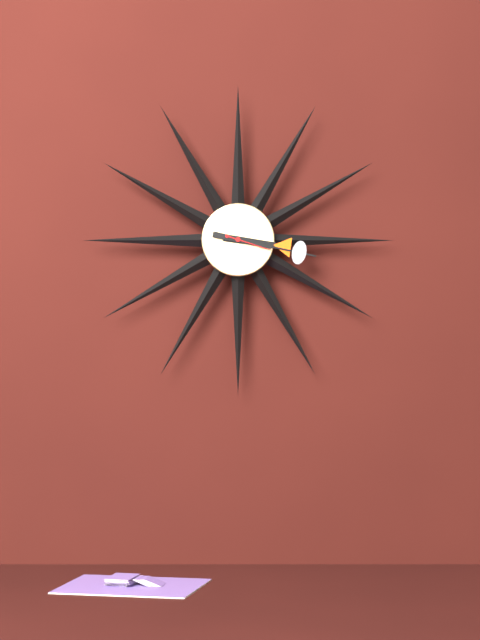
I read 3,17
